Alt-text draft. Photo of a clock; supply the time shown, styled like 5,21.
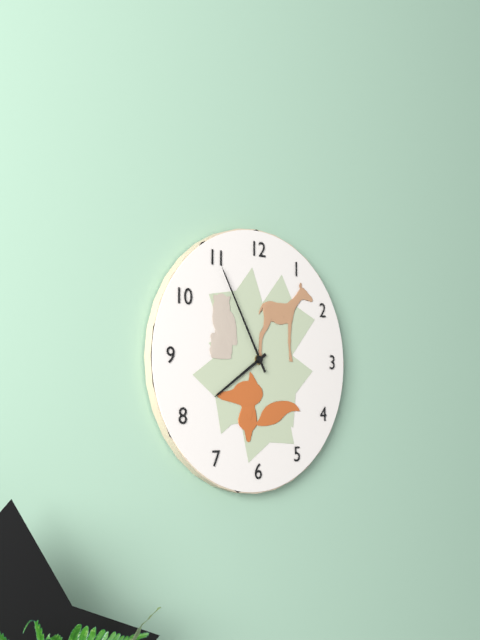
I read 7,55
